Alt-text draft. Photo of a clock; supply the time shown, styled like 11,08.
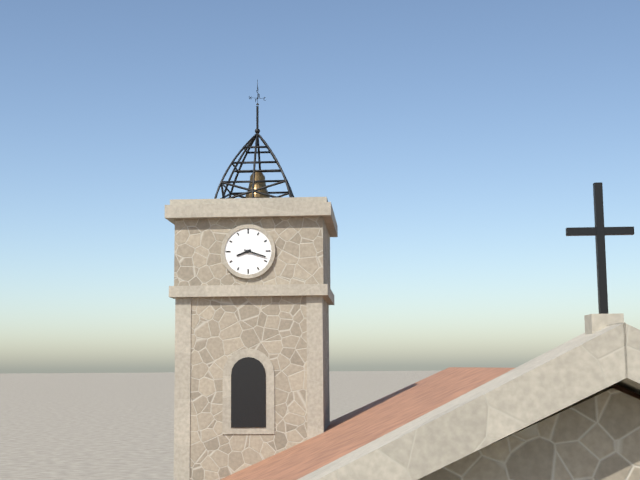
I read 8,18
